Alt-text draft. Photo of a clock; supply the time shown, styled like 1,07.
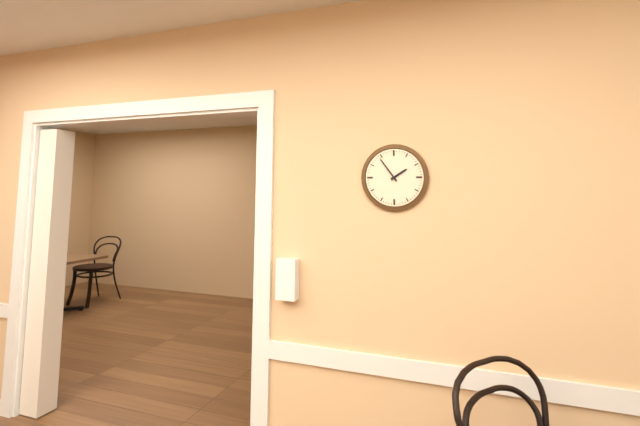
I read 1,54
